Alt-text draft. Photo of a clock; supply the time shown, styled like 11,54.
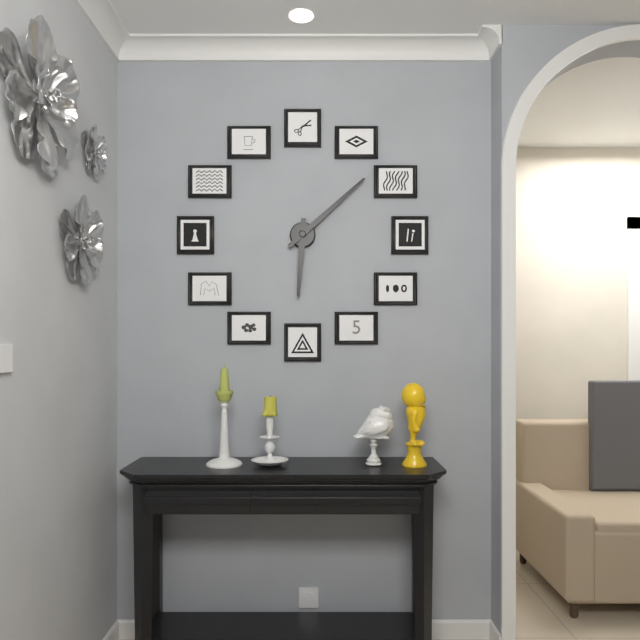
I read 6,08
